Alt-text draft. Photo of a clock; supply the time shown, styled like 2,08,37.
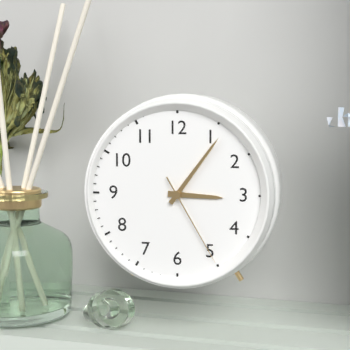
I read 3,06,25
